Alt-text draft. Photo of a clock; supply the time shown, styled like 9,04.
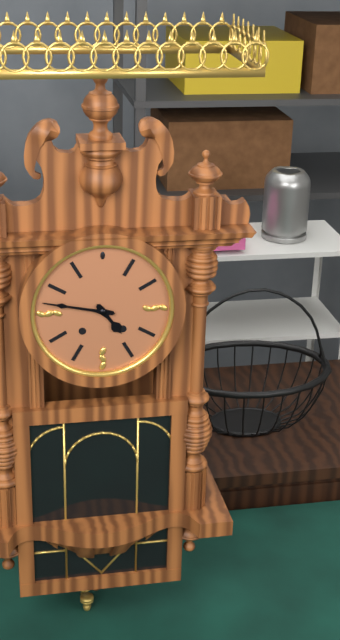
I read 4,47
